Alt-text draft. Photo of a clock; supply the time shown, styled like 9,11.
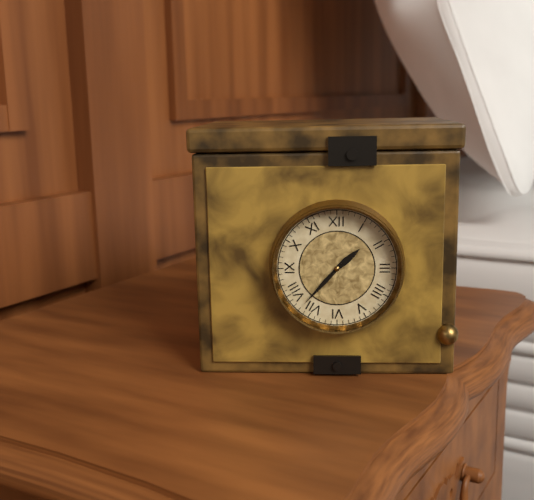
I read 1,37
